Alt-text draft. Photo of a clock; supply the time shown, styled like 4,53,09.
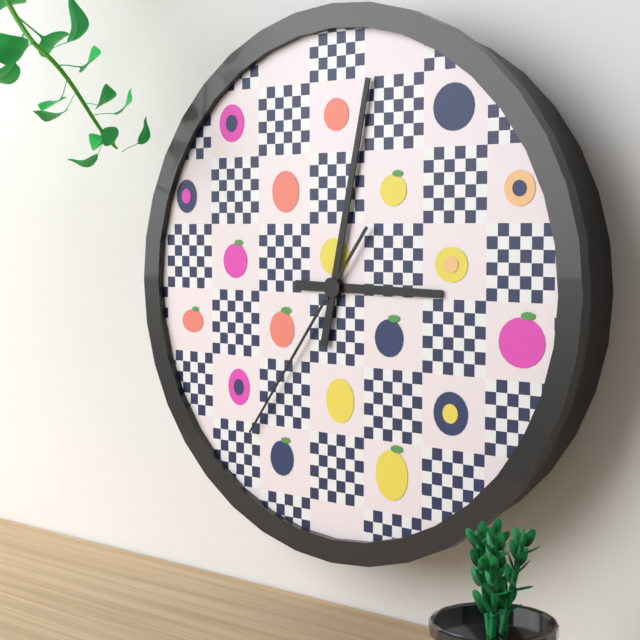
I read 3,02,36
